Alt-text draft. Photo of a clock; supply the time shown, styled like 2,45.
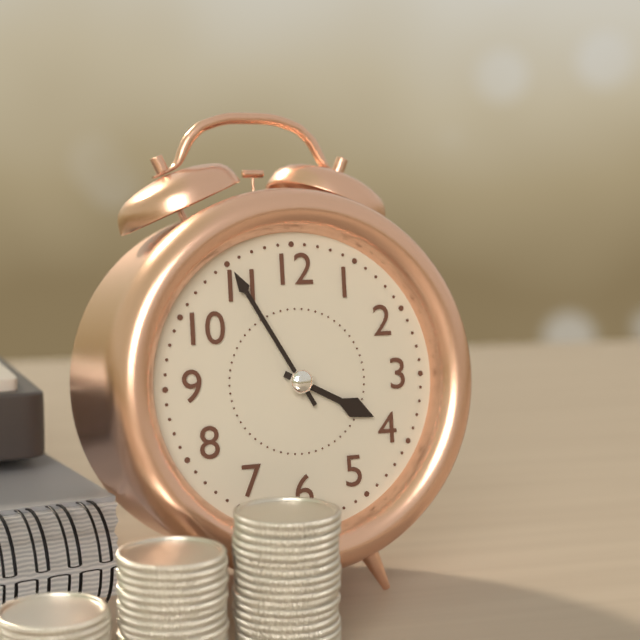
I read 3,55
